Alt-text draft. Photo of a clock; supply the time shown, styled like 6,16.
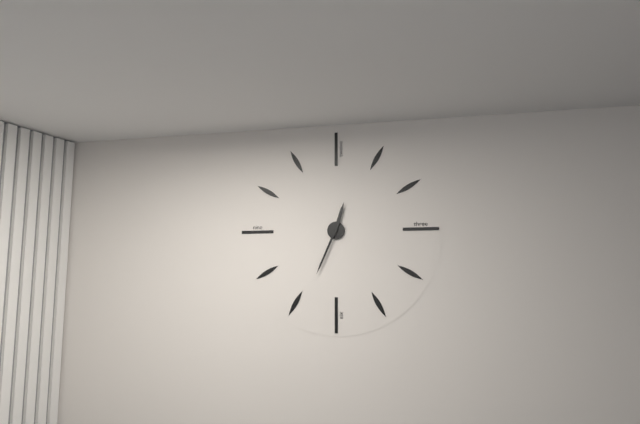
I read 12,34
